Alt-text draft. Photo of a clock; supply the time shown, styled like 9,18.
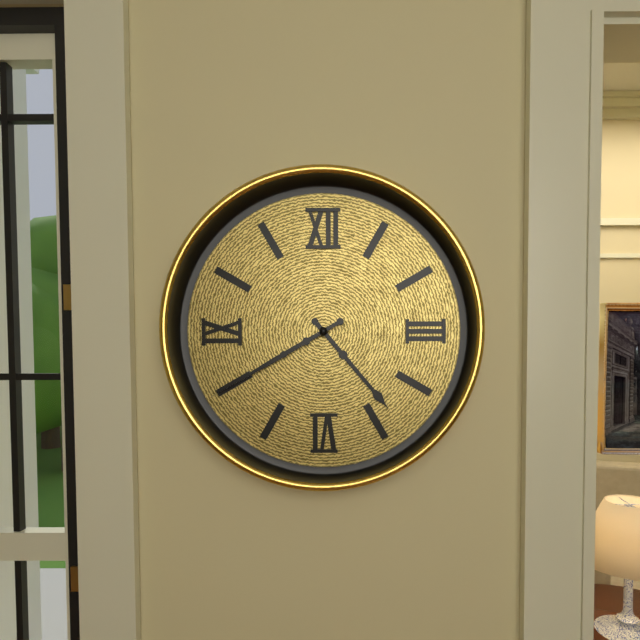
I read 4,40
